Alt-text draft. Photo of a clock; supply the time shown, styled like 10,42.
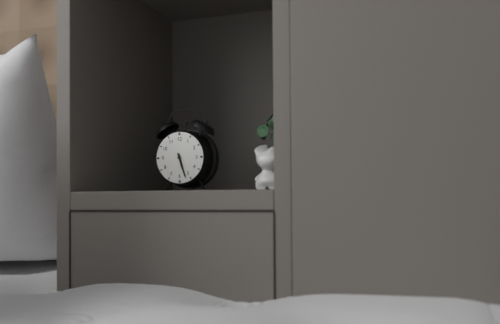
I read 5,27
